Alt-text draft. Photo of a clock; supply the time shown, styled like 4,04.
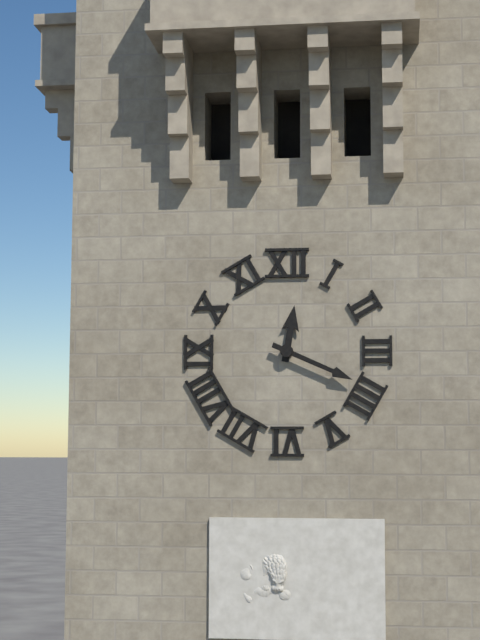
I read 12,19
